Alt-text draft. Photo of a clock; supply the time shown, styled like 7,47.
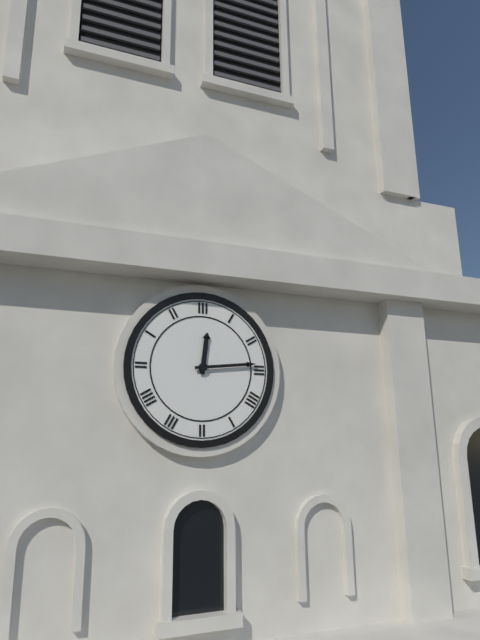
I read 12,14
